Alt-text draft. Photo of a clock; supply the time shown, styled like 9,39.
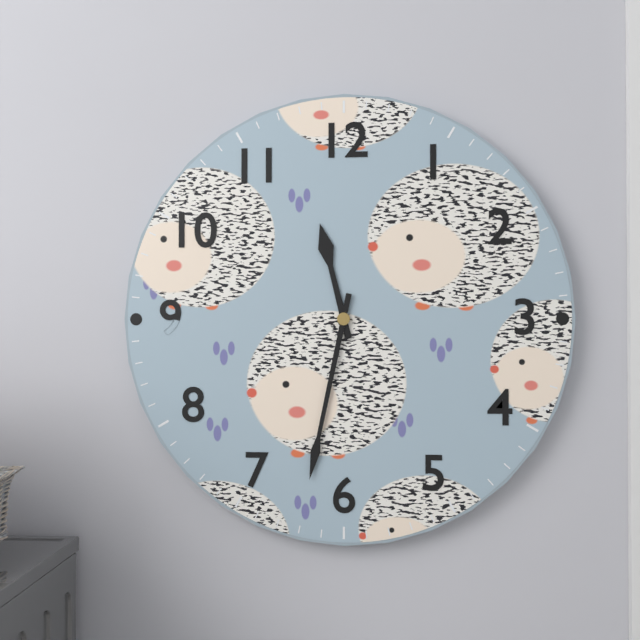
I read 11,32
